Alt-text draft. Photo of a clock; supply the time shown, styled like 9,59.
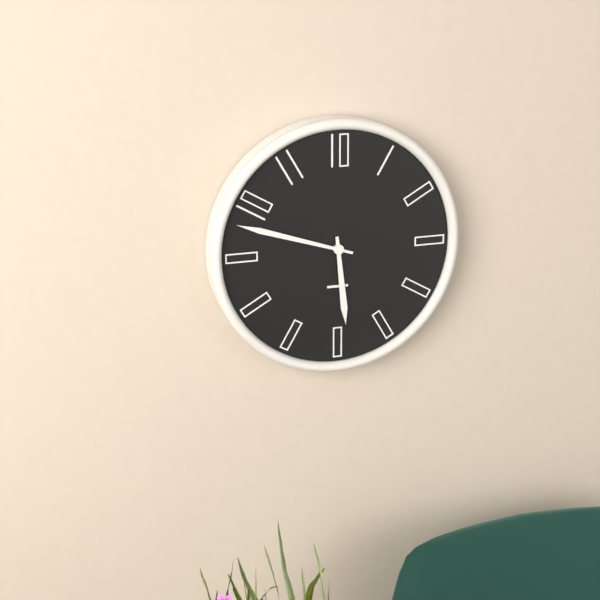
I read 5,48
